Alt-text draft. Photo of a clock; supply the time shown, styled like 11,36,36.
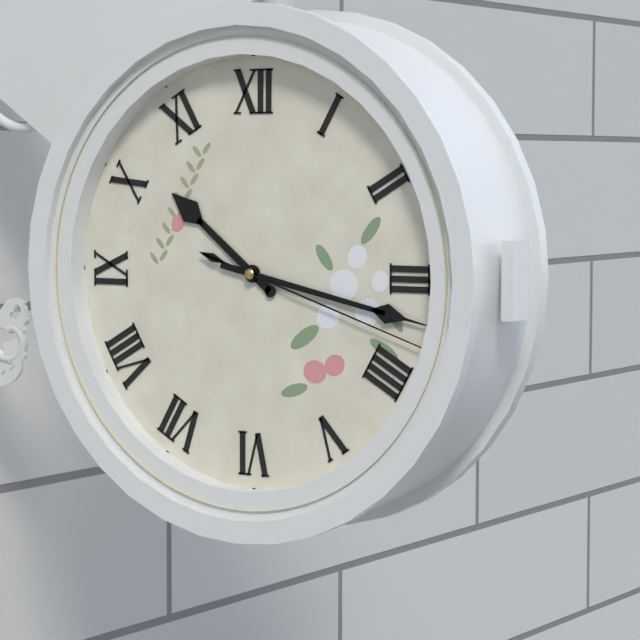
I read 10,17,18
